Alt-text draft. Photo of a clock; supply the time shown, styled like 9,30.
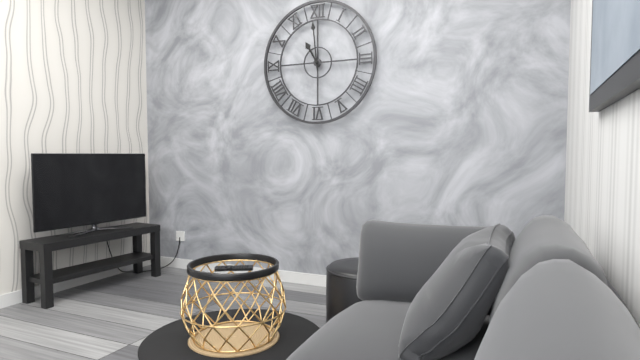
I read 10,59
